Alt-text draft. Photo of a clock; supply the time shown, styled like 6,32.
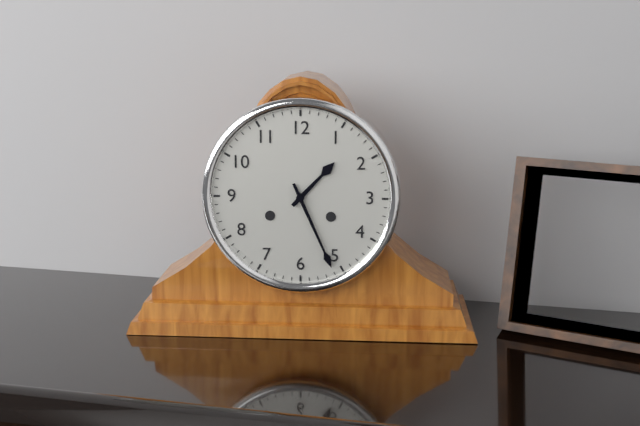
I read 1,26
